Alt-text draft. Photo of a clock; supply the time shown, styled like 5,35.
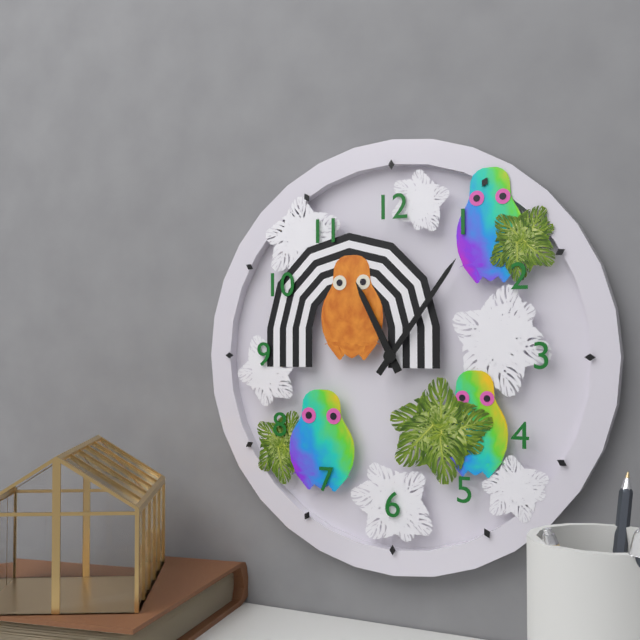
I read 11,06
